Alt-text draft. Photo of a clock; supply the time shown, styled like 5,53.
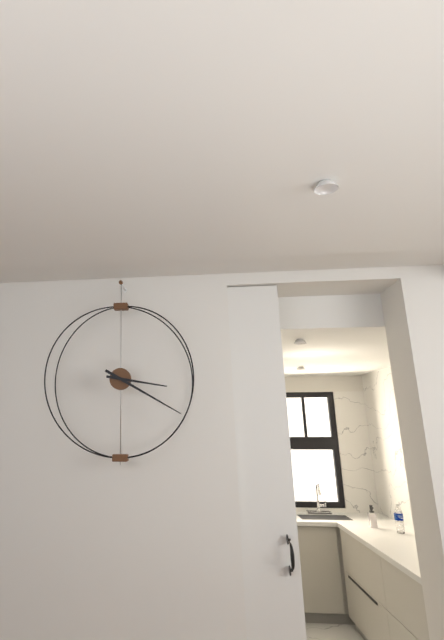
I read 3,20
